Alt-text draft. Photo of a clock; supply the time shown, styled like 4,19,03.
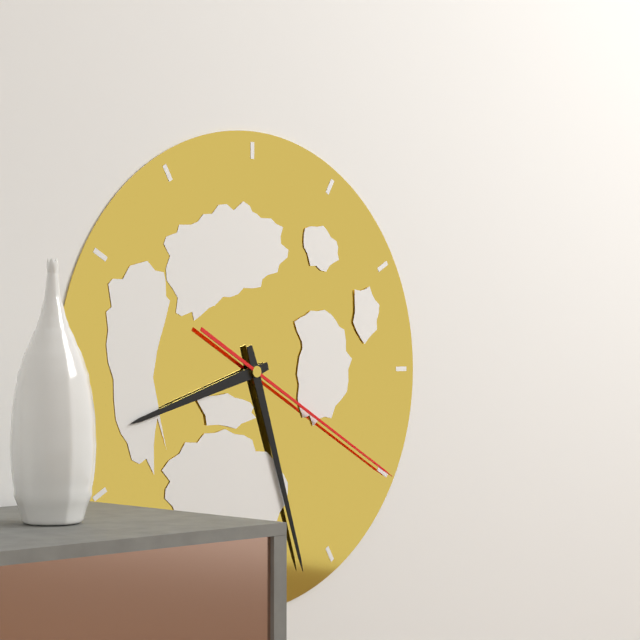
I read 8,27,20
